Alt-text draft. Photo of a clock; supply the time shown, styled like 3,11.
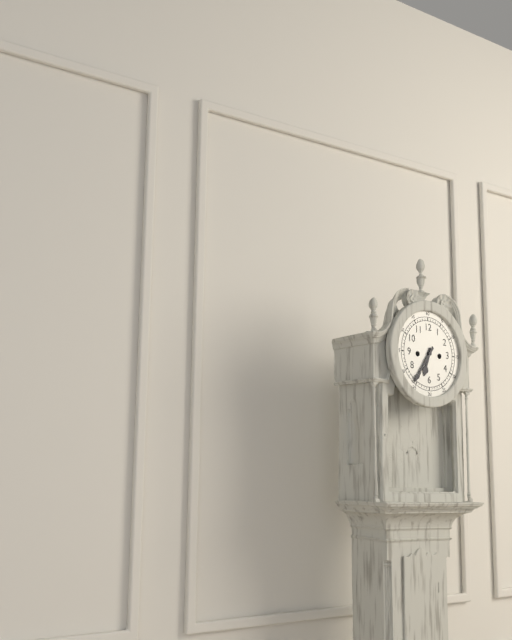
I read 6,36
